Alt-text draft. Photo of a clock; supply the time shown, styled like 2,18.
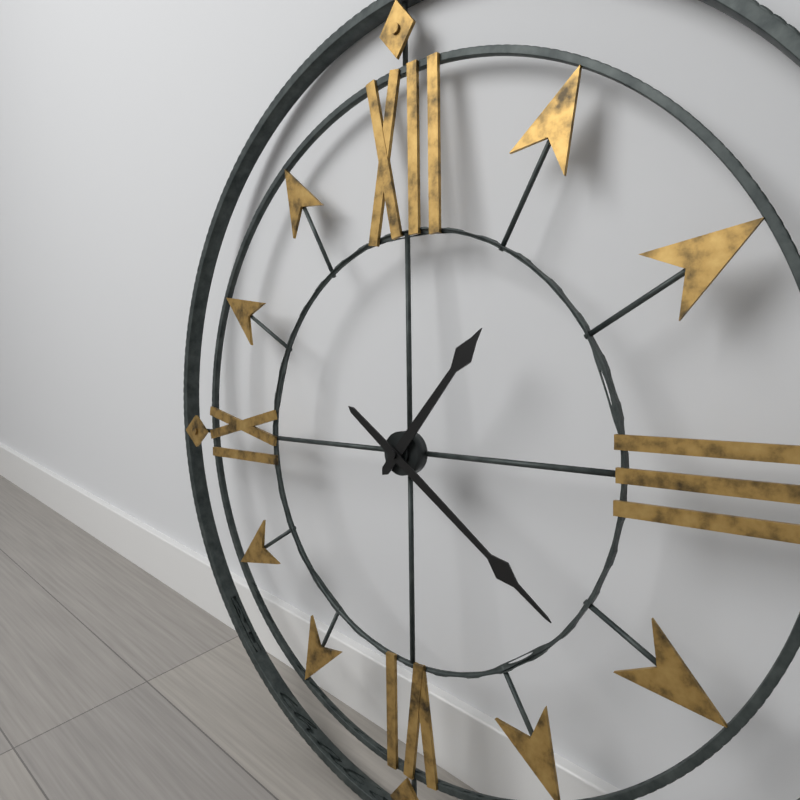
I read 1,21
